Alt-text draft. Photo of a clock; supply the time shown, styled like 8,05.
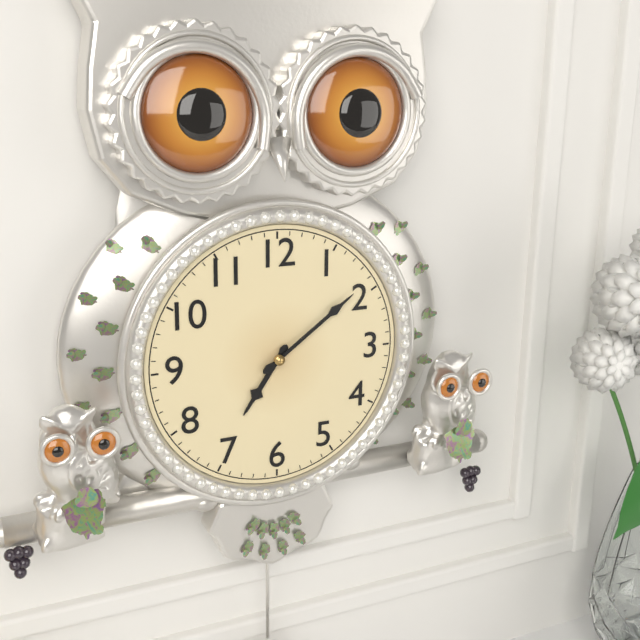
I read 7,09
